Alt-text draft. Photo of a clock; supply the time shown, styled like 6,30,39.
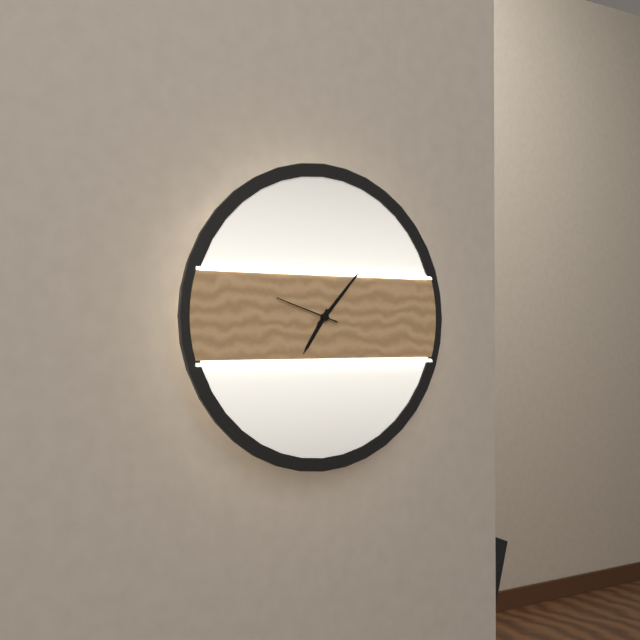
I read 7,07,48
